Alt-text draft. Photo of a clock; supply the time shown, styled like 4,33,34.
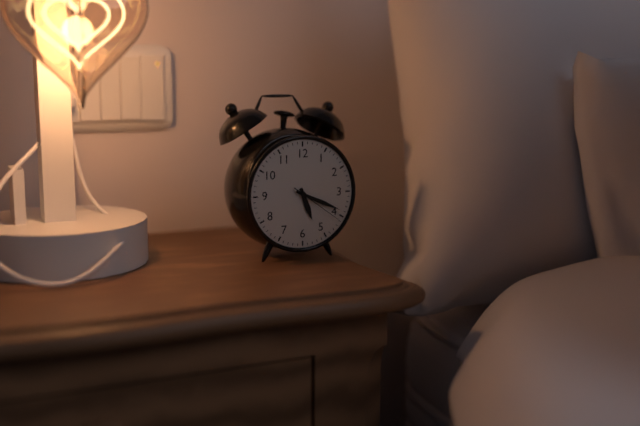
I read 5,19,21
